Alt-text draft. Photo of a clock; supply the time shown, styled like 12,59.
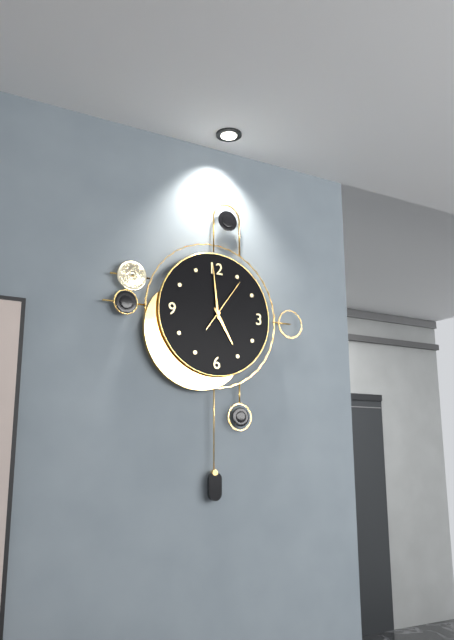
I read 4,59
